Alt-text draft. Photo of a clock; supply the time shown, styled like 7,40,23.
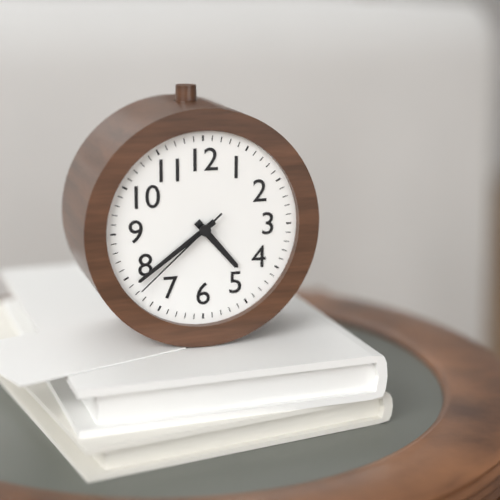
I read 4,39,38
